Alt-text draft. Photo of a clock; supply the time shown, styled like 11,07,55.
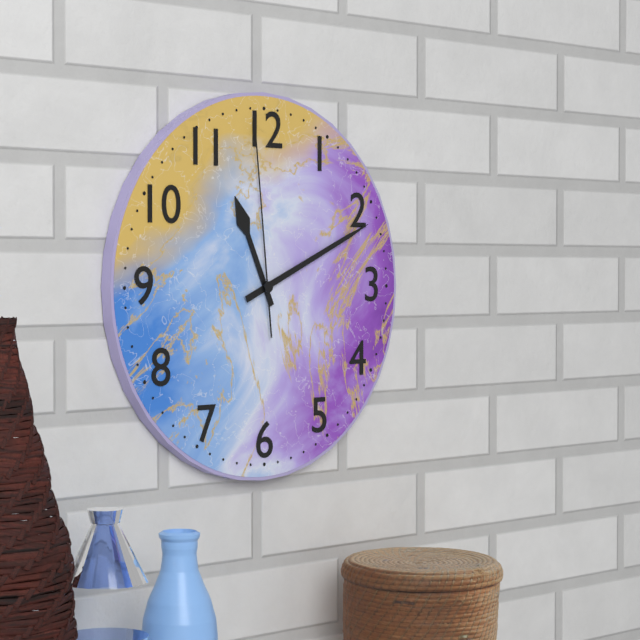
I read 11,11,59
